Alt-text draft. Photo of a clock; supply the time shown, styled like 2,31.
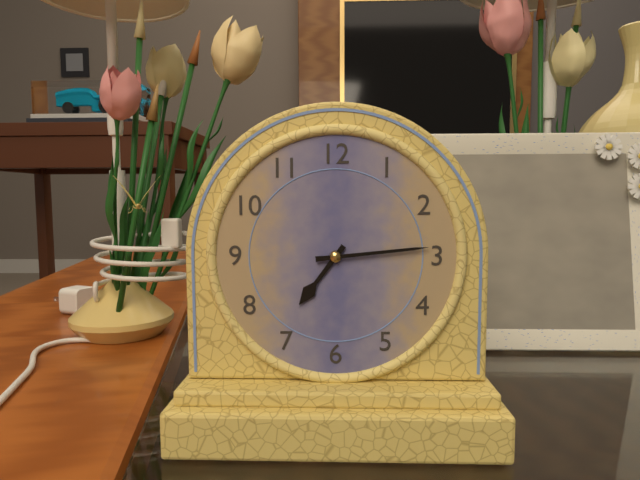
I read 7,14
